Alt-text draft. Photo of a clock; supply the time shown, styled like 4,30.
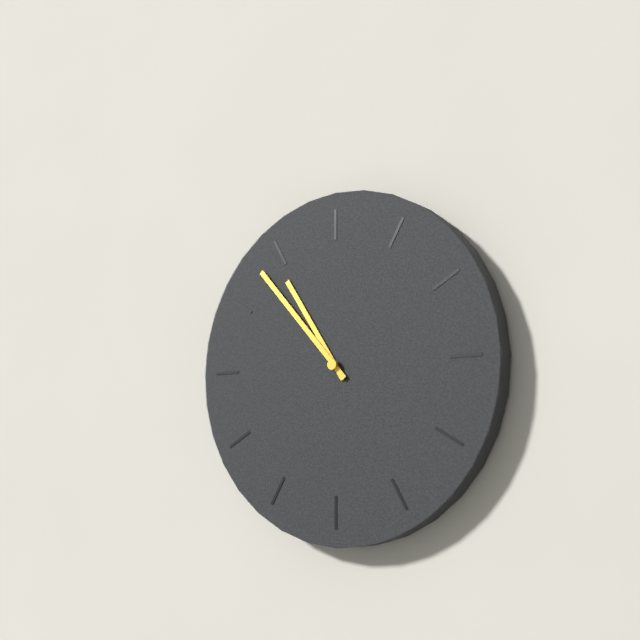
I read 10,53
